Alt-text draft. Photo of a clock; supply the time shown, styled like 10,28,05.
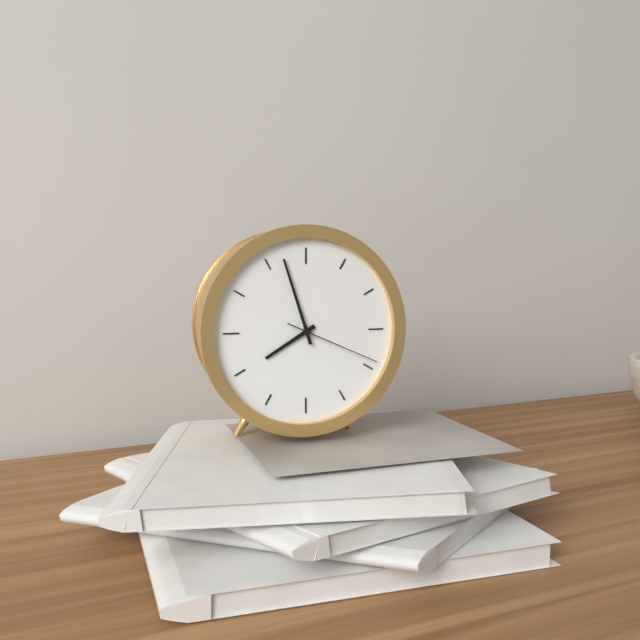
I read 7,57,19
